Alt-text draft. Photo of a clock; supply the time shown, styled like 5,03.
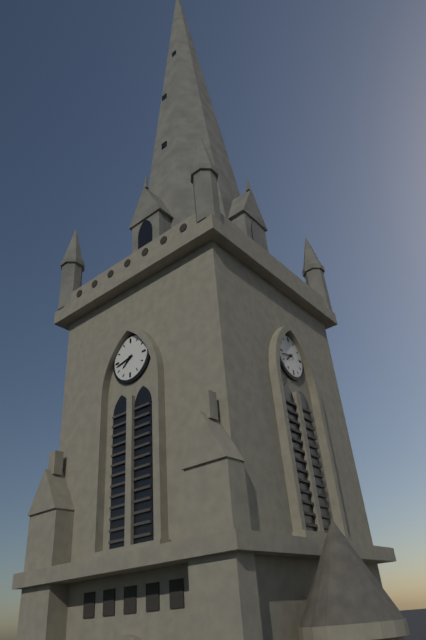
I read 7,43
